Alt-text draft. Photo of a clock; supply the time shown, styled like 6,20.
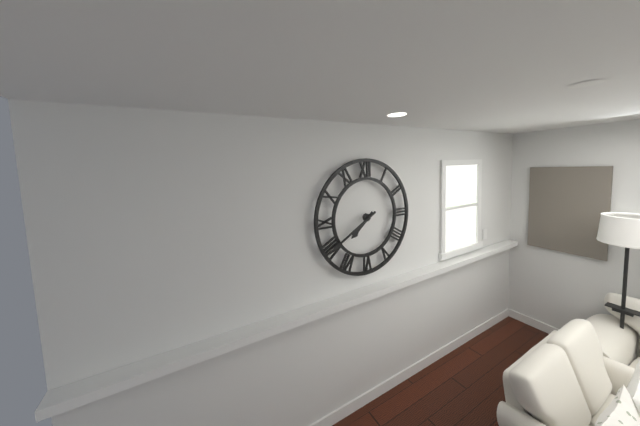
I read 7,40
